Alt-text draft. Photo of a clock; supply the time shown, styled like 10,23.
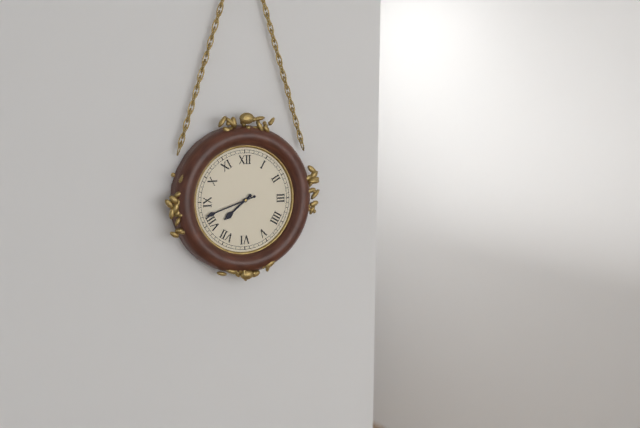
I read 7,42
